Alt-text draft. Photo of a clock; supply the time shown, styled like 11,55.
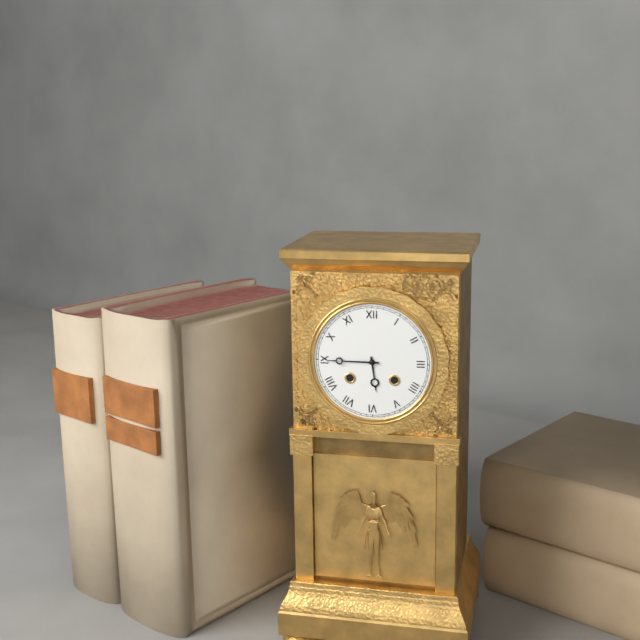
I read 5,45
